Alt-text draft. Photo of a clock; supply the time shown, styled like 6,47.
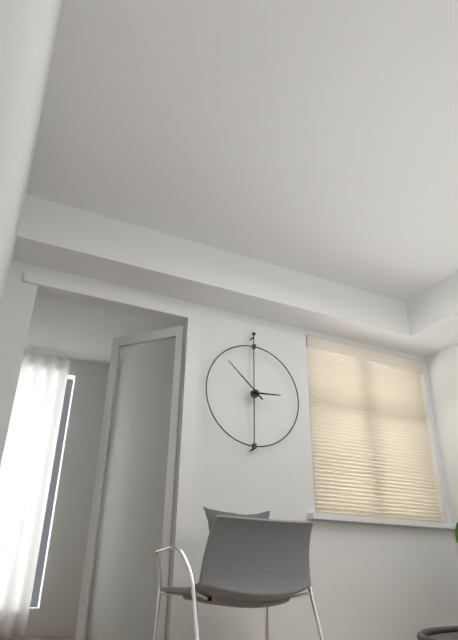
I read 2,52
